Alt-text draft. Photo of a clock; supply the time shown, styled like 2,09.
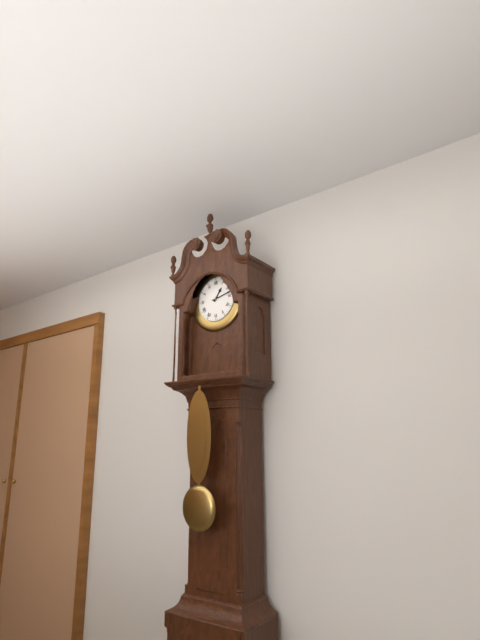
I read 1,13
